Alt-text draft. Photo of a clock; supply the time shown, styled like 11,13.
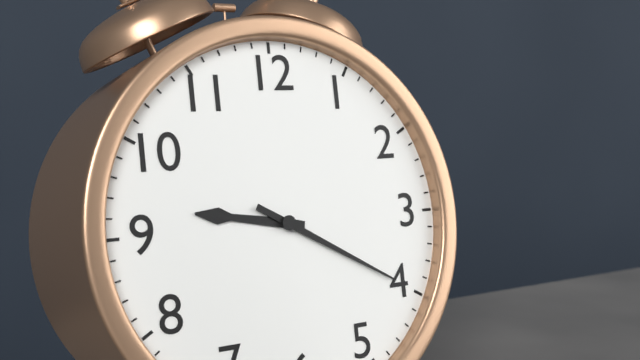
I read 9,20
